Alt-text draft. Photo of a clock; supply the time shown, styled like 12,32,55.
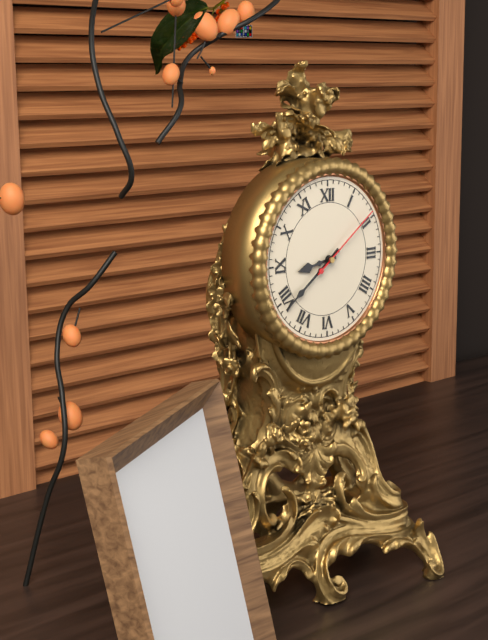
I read 8,39,09
